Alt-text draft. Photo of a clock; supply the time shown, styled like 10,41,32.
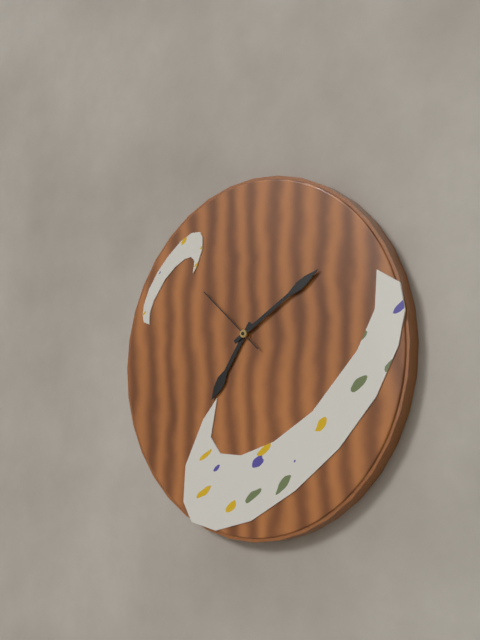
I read 7,10,52
